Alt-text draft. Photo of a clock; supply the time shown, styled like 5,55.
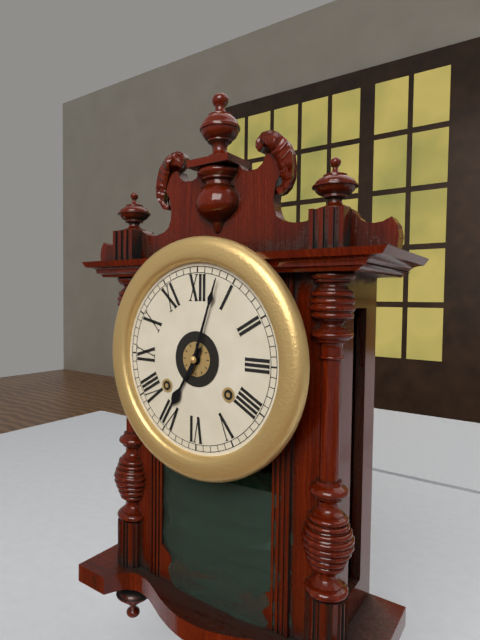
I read 7,03
